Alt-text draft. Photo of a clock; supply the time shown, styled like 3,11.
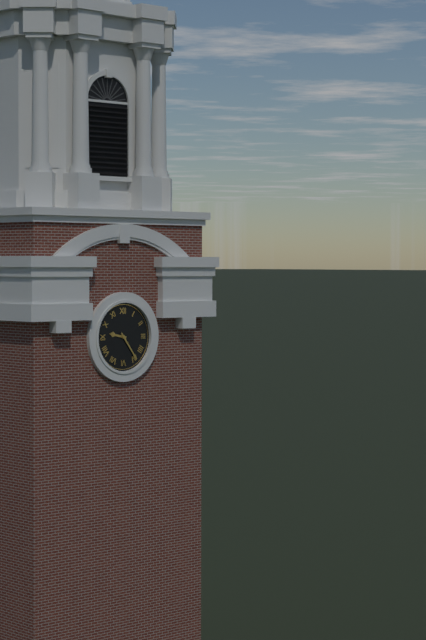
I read 9,24
